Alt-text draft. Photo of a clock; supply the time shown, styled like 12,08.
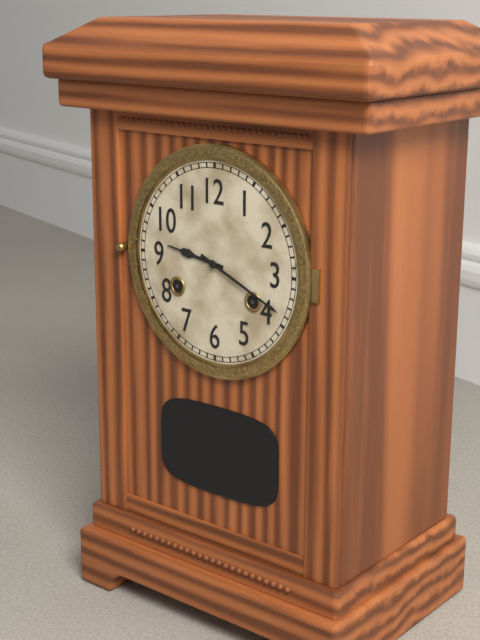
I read 9,19
